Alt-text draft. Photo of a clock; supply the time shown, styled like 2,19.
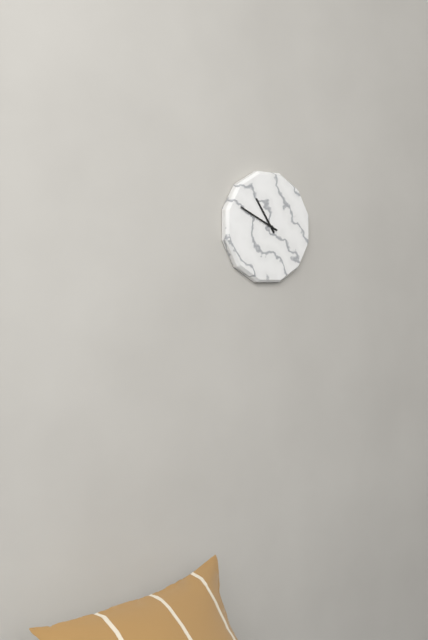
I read 10,49
